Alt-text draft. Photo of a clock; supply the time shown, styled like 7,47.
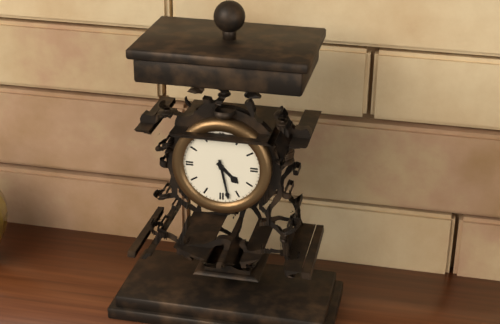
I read 4,28
